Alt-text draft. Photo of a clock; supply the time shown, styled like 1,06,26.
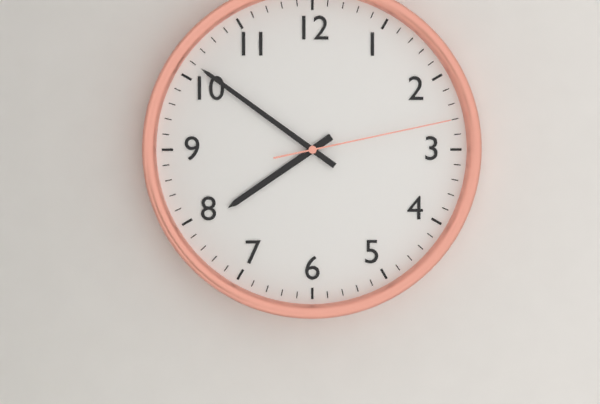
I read 7,51,13
